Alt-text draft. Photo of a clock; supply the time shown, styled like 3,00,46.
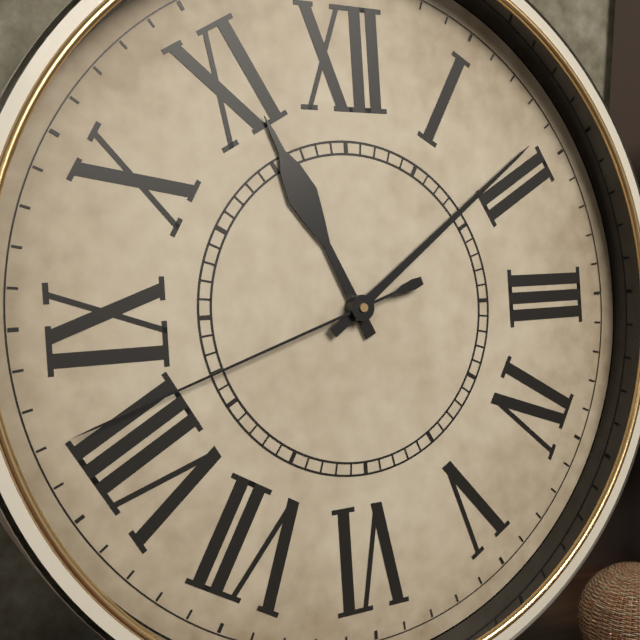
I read 11,09,42
